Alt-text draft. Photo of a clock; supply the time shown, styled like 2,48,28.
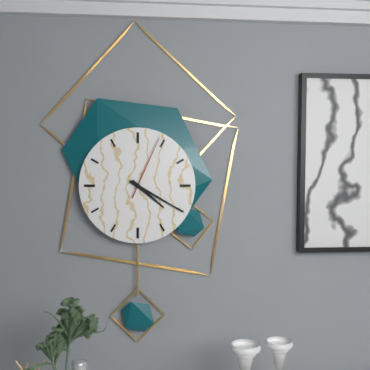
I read 4,20,04
